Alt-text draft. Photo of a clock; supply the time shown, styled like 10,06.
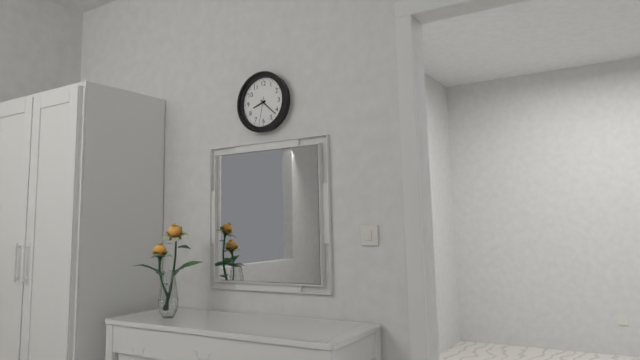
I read 8,22
